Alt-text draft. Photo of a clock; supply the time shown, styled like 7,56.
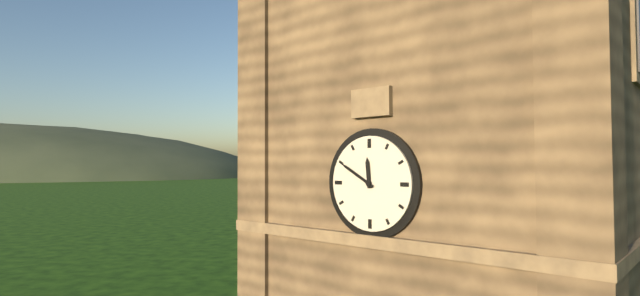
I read 11,50
